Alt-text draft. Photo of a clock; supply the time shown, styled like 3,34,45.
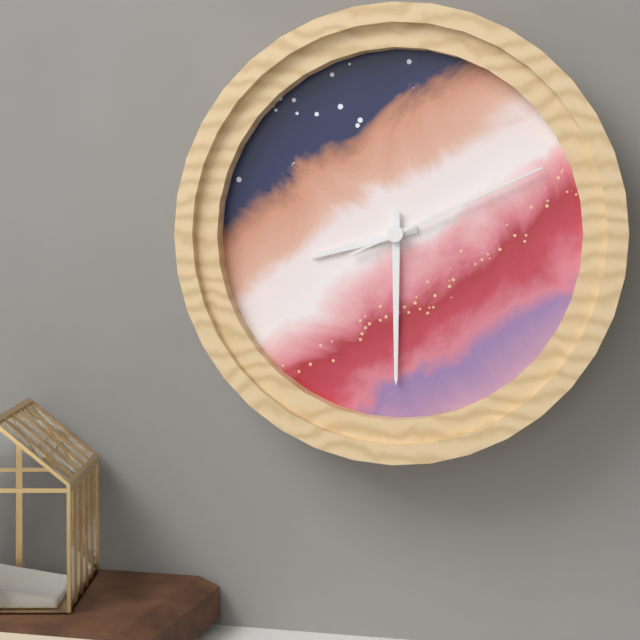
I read 8,30,11
